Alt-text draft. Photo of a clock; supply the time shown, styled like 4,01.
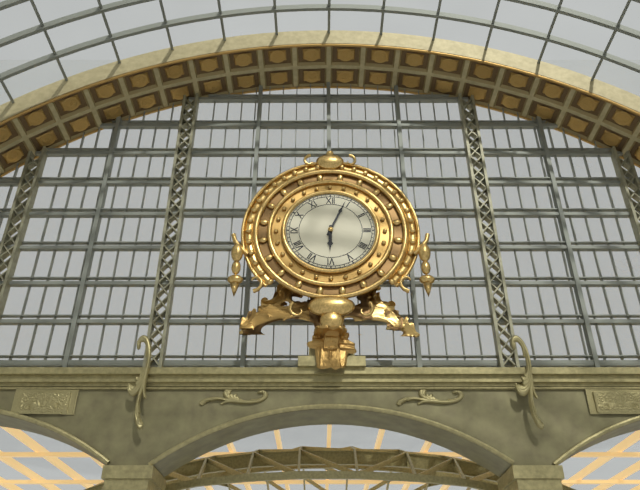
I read 6,04
